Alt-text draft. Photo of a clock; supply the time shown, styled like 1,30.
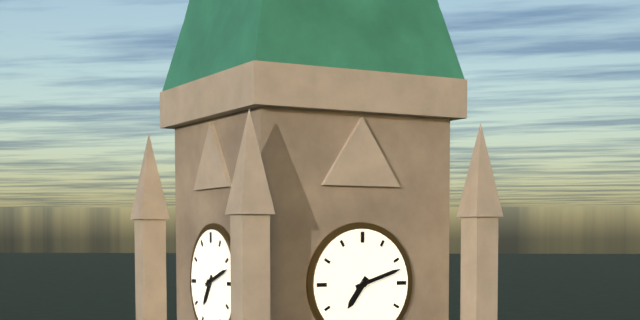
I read 7,12
